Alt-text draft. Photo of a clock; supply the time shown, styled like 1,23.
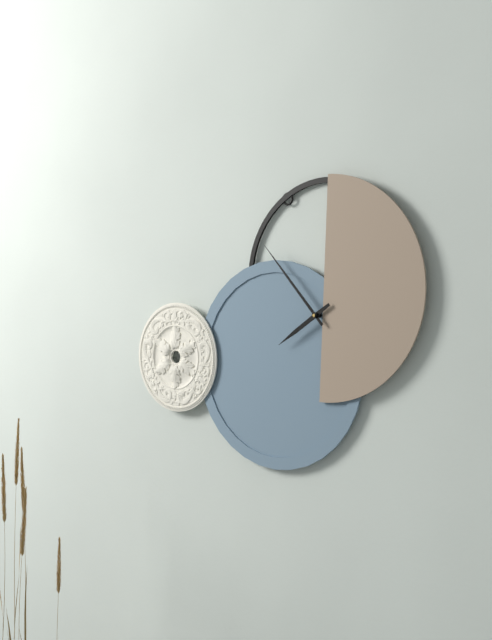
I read 7,53
